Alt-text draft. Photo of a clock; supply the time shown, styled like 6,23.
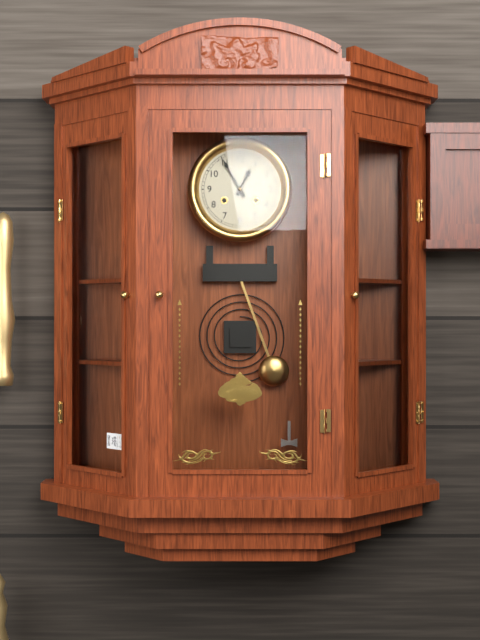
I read 12,55
